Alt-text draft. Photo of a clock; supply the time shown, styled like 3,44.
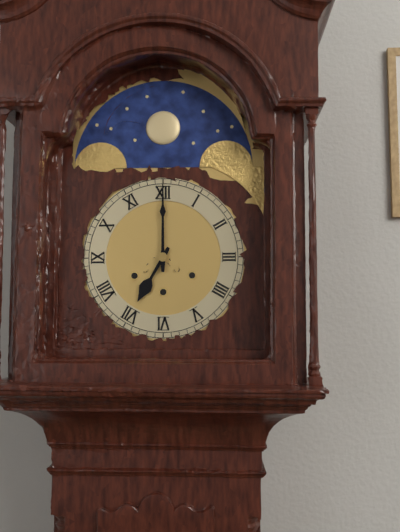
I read 7,00
